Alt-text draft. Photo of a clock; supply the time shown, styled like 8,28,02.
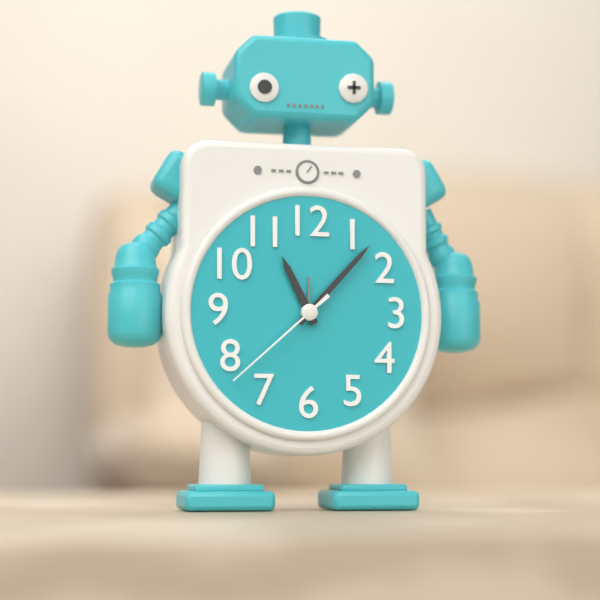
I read 11,07,38
